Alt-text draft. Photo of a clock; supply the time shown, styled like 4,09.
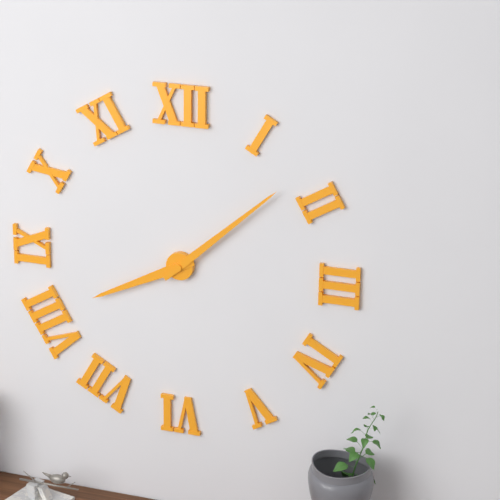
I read 8,08
